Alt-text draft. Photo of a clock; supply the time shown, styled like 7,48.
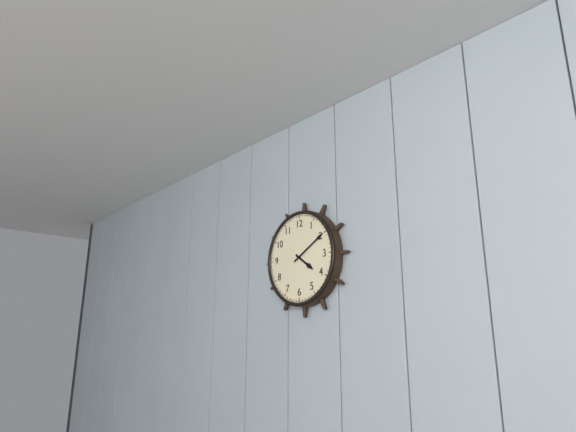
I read 4,10
